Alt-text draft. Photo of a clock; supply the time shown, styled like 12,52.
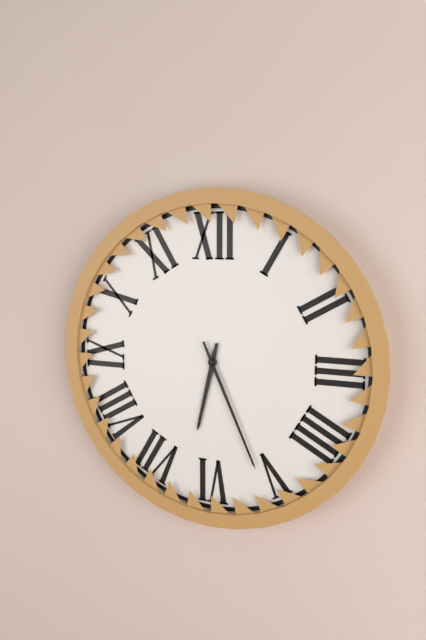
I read 6,26
